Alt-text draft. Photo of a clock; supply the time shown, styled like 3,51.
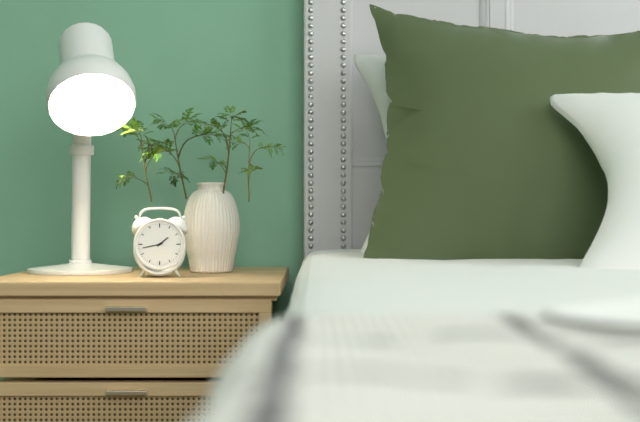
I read 1,43
